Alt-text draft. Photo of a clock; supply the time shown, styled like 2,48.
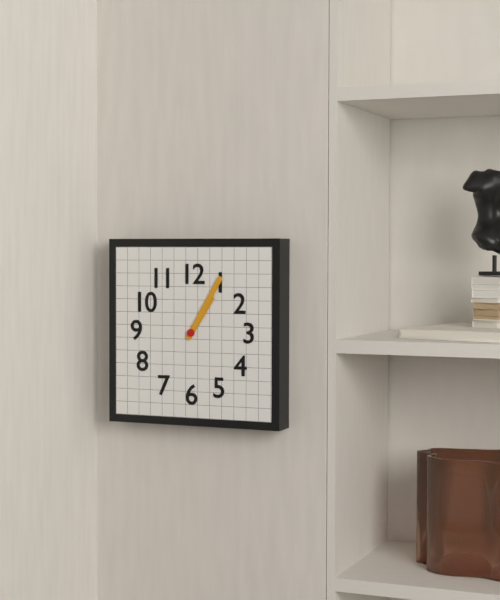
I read 1,05
